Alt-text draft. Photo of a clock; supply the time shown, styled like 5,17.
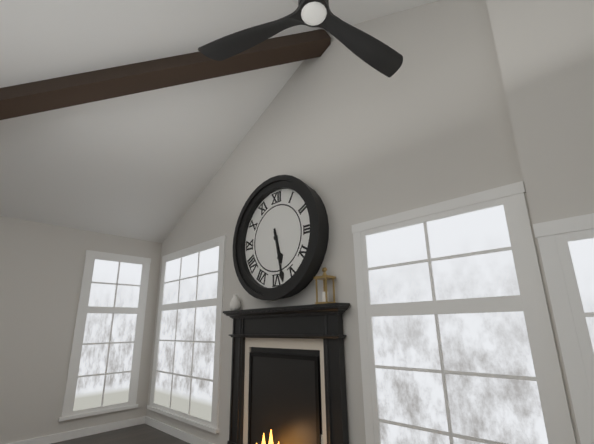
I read 5,28
